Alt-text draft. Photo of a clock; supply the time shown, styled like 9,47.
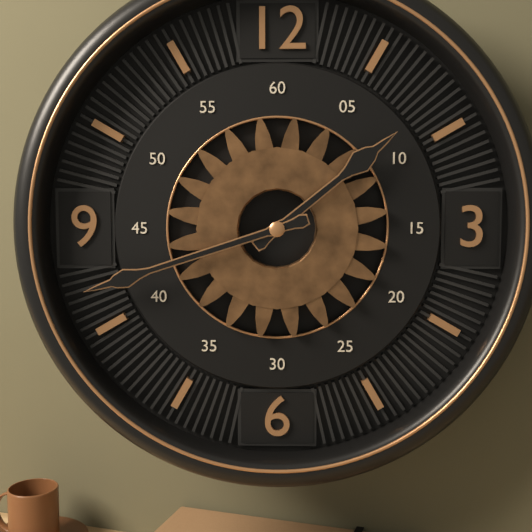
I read 1,42
